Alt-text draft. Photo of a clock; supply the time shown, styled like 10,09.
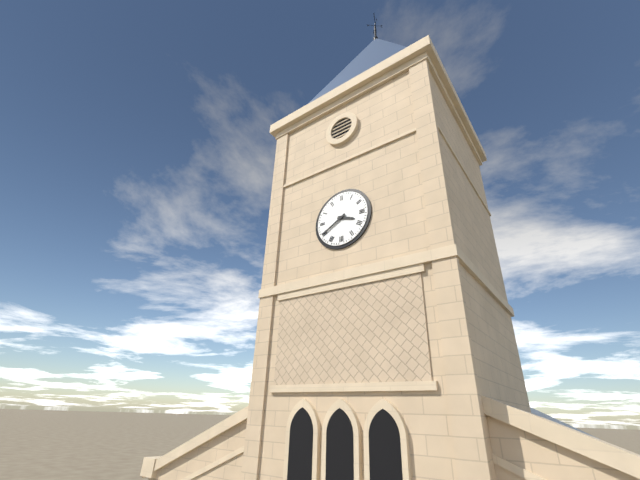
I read 3,40
